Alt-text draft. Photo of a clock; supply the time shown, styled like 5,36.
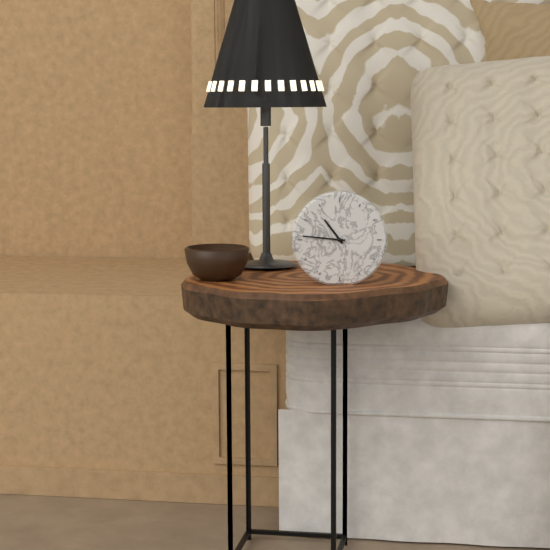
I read 10,46
